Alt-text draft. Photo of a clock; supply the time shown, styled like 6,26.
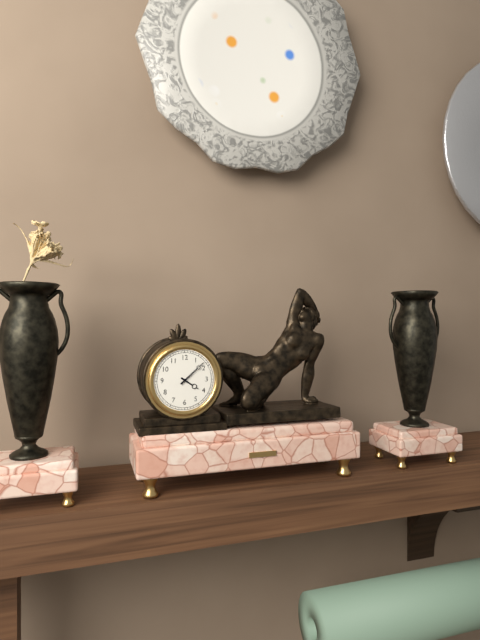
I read 4,08
